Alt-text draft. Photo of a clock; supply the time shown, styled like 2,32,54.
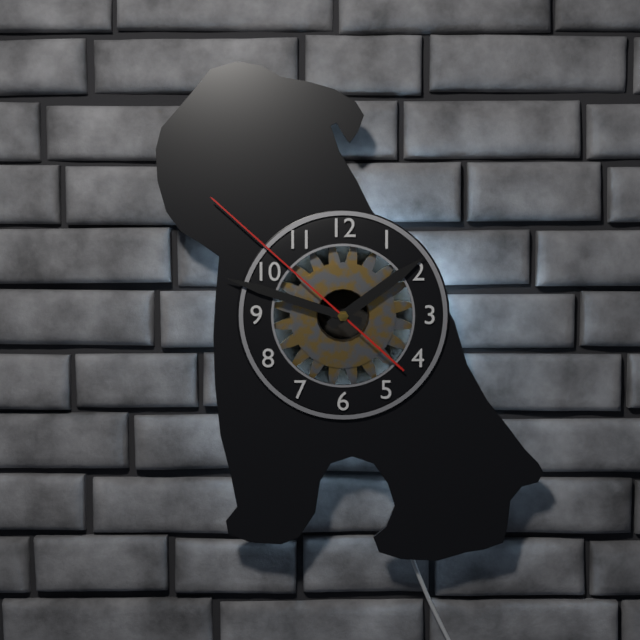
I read 1,48,52
